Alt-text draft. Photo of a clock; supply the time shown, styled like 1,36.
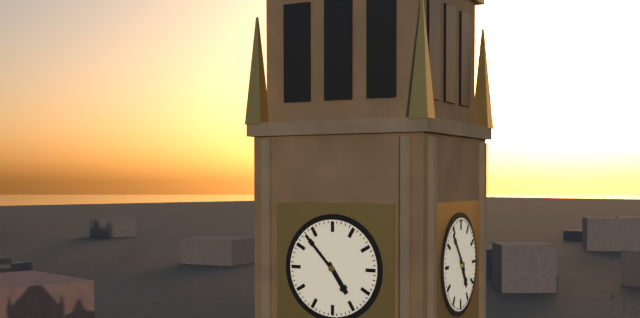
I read 4,53
